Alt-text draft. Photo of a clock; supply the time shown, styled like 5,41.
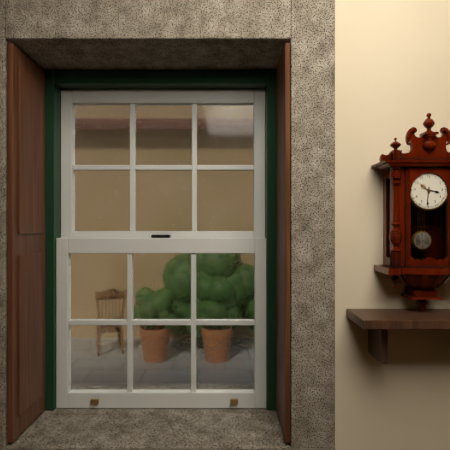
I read 3,31
